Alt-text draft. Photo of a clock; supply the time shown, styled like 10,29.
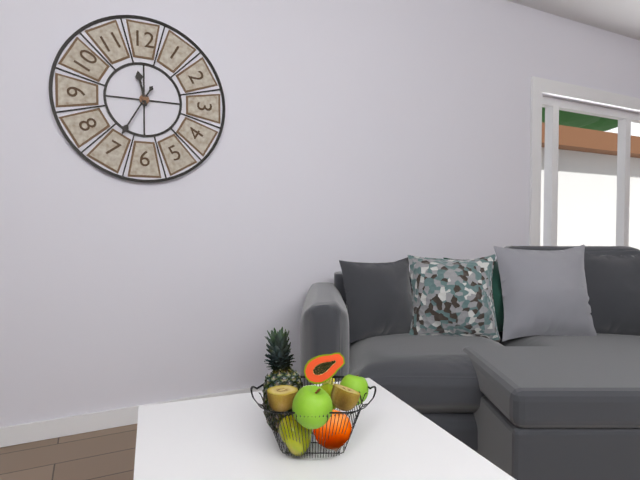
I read 11,35
